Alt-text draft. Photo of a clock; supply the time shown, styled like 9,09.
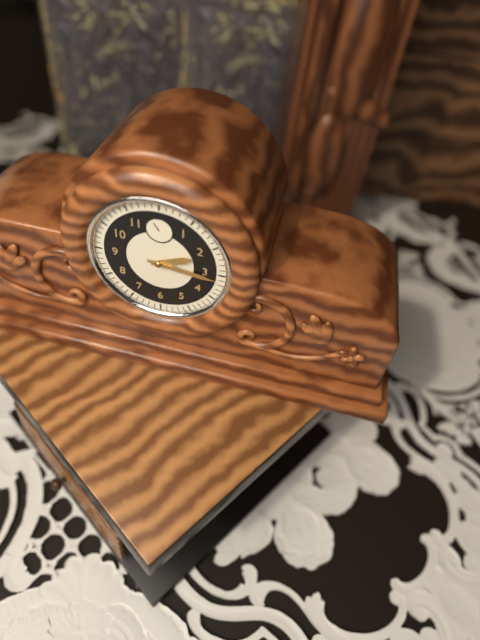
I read 2,16
